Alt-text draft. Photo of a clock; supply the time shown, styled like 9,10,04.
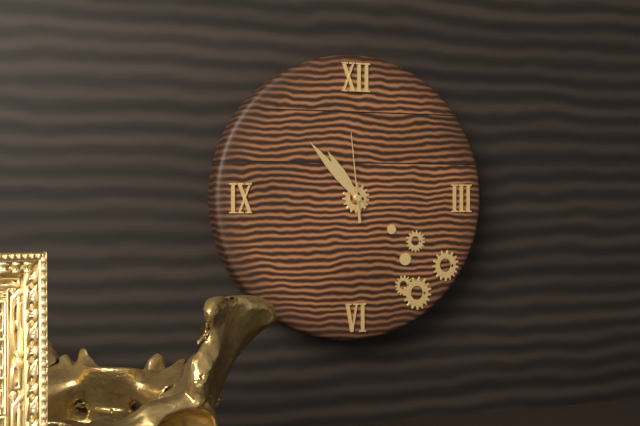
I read 10,53,59
